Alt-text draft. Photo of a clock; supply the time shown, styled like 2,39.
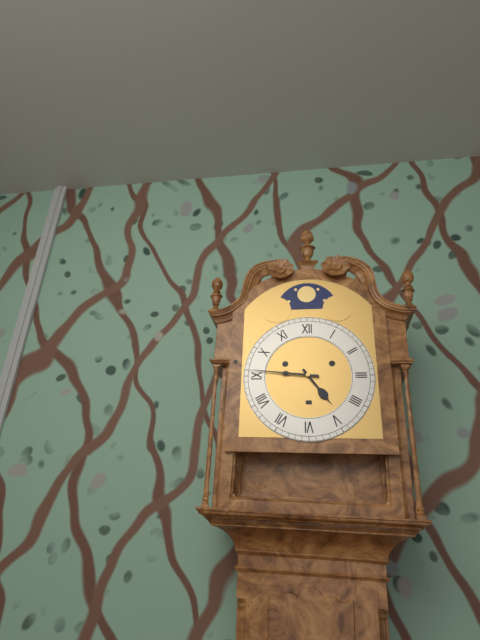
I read 4,46
